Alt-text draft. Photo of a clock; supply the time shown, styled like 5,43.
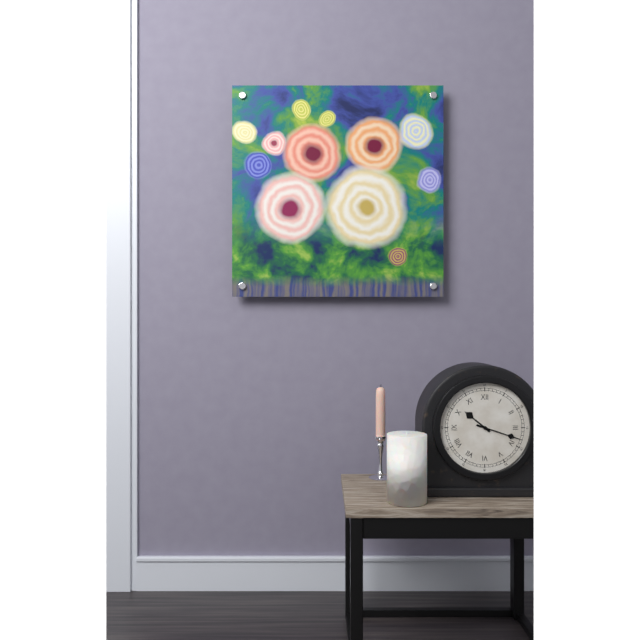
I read 10,18
